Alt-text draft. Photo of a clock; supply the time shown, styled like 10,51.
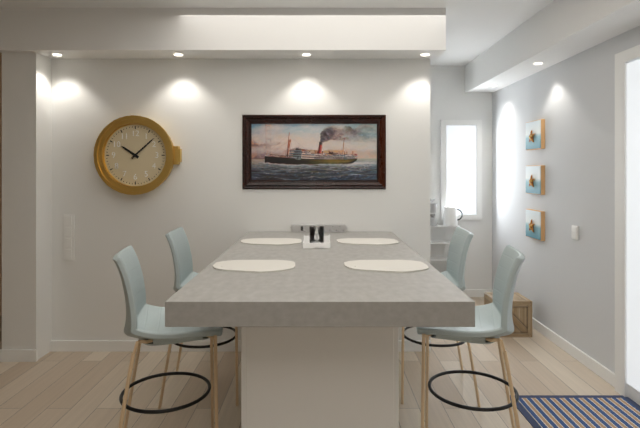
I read 10,08
